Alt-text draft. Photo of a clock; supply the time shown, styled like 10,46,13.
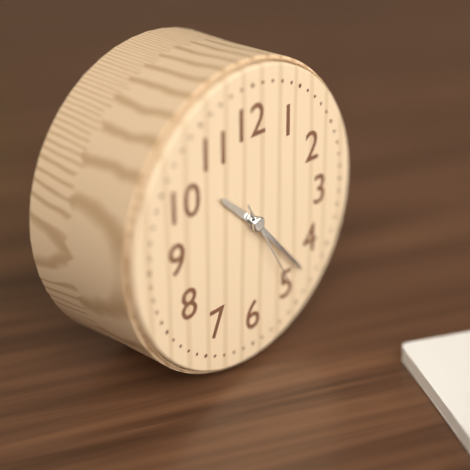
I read 10,23,25
